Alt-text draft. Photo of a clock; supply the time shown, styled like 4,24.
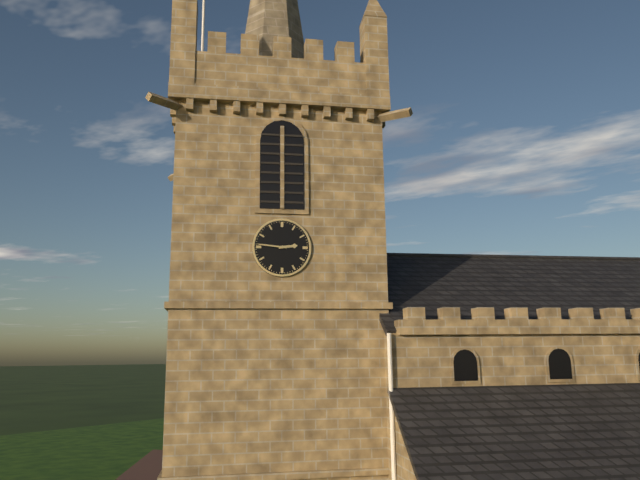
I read 2,46
